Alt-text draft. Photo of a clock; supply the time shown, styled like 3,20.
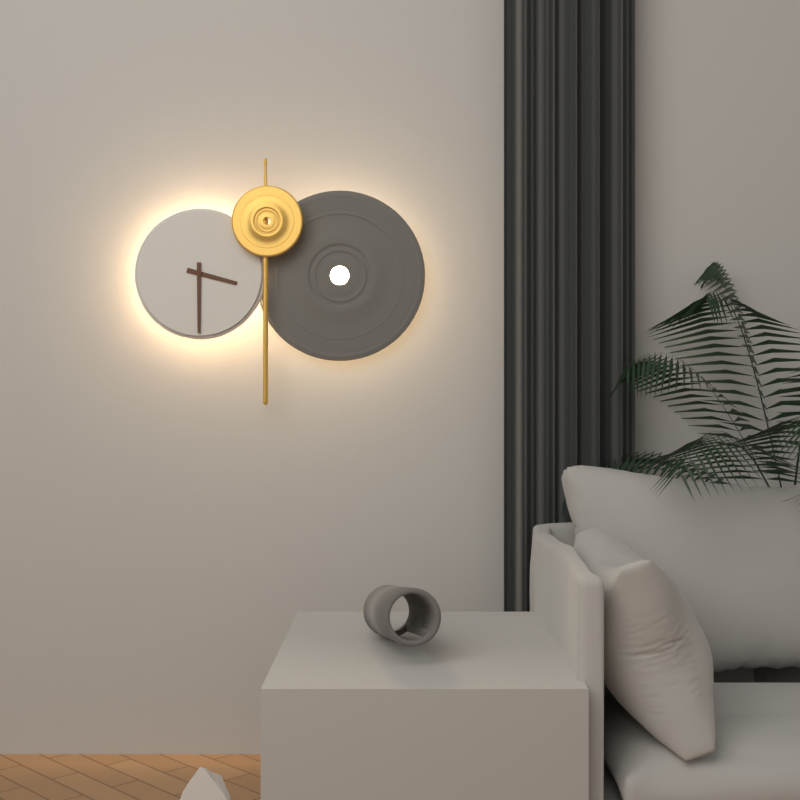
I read 3,30
